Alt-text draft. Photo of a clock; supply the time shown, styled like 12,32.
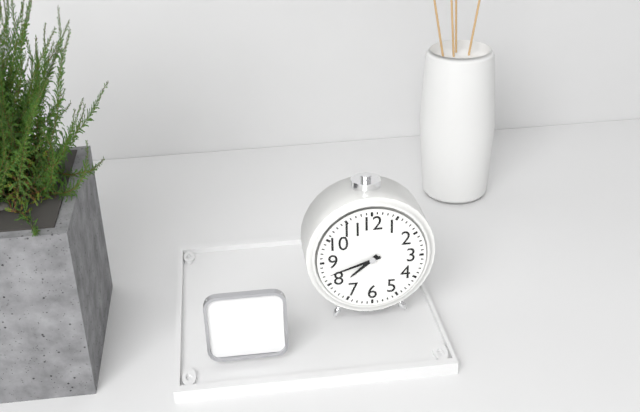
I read 7,42
